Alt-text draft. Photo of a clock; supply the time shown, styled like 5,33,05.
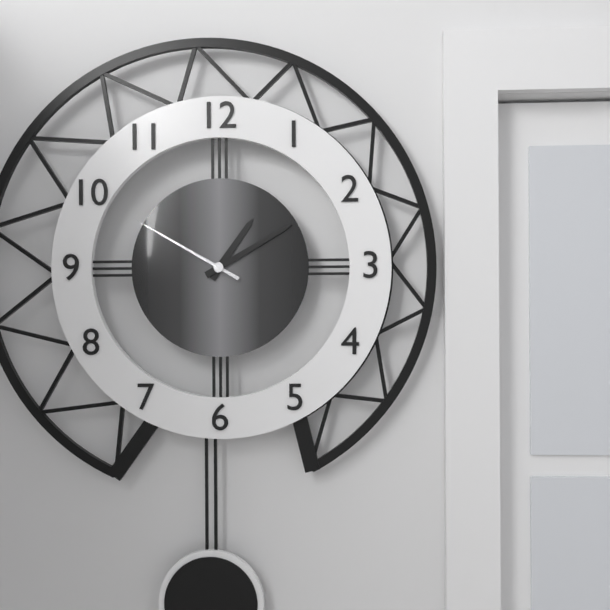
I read 1,10,50
